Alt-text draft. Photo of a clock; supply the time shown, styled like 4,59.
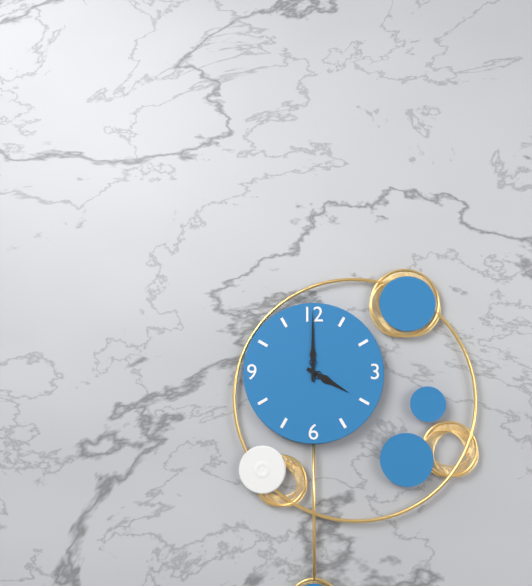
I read 4,00
